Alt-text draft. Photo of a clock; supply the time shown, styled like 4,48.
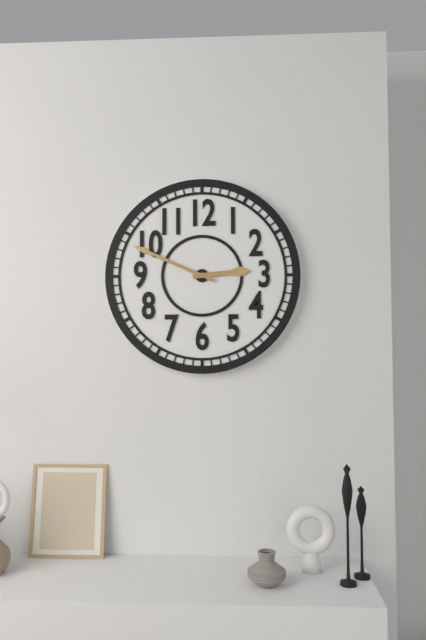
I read 2,49
